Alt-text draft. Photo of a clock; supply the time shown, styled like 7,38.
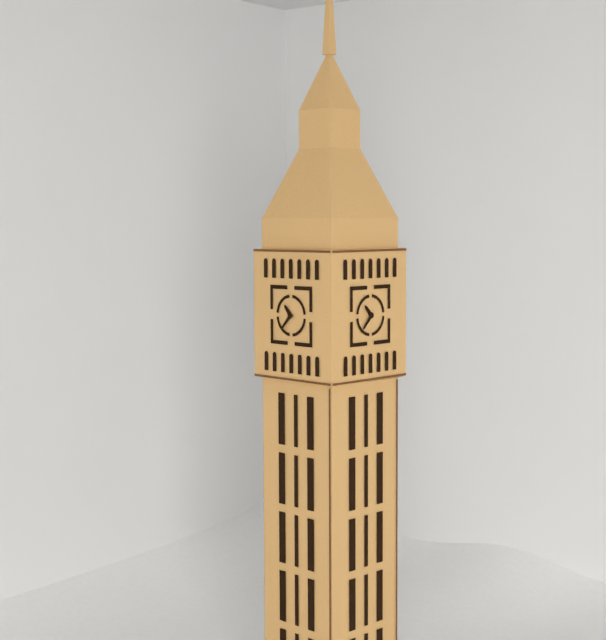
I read 10,37
